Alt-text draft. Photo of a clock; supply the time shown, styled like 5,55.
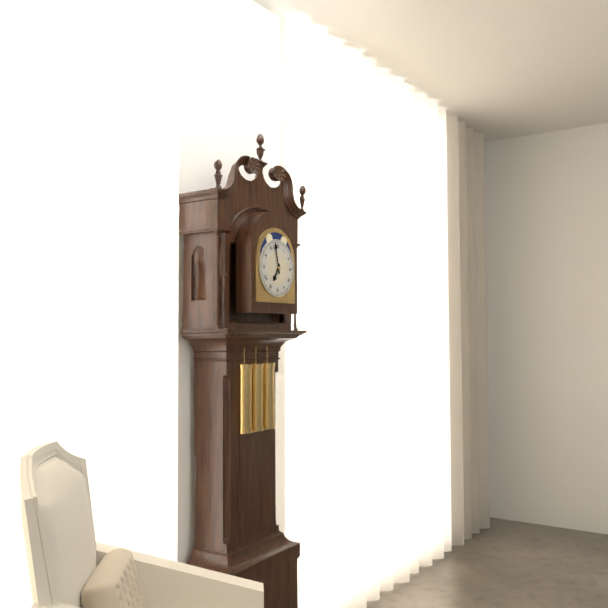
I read 6,58
